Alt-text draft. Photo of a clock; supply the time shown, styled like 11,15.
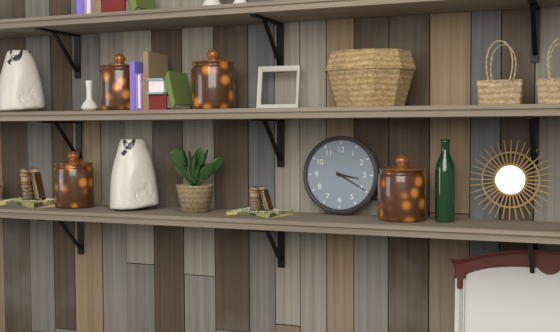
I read 3,20
